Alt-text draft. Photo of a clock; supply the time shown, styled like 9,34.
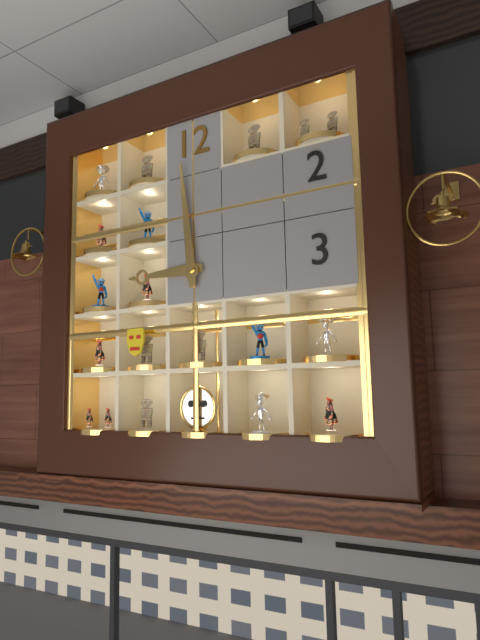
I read 8,59
